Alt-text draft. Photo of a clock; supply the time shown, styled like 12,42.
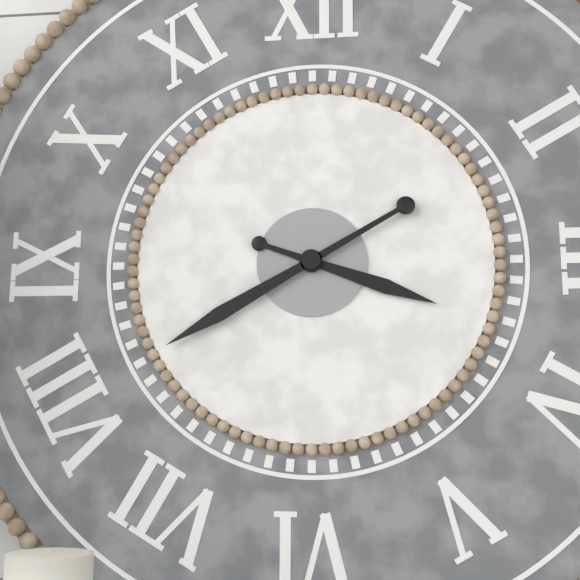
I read 3,40
